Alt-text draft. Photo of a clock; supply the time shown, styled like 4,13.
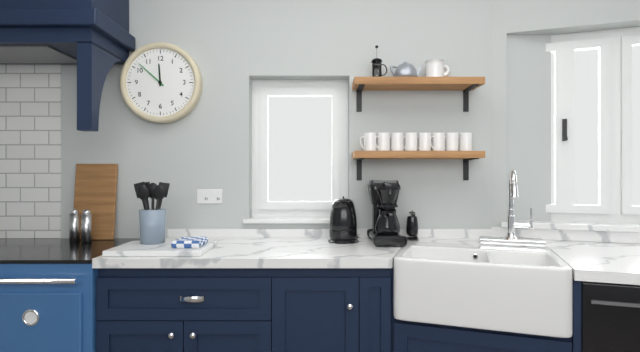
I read 11,52
